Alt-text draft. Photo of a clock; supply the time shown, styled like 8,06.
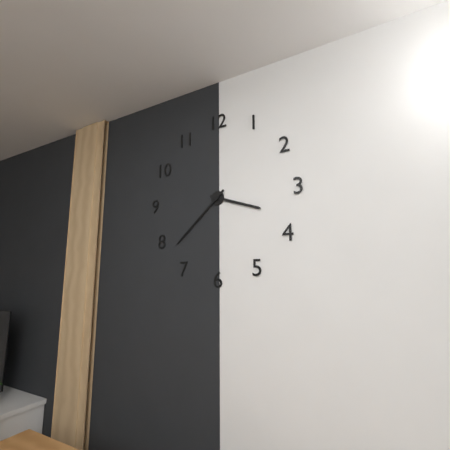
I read 3,38
